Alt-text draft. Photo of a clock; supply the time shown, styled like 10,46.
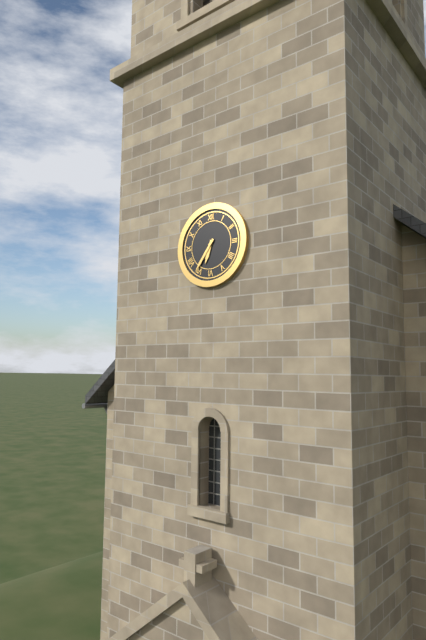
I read 6,36
